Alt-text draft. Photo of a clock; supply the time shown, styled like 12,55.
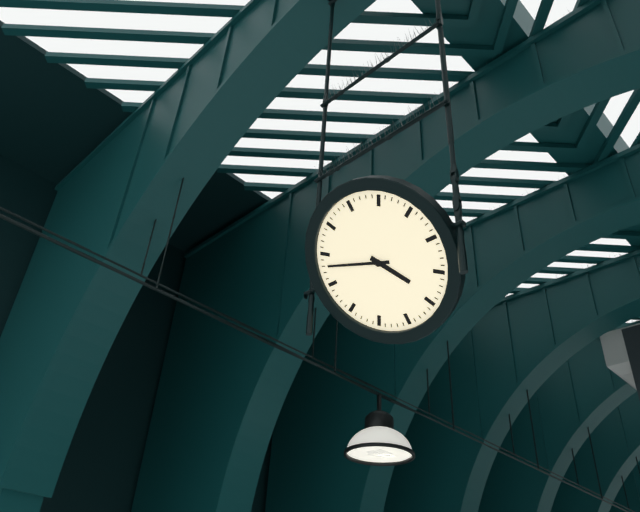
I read 4,48
